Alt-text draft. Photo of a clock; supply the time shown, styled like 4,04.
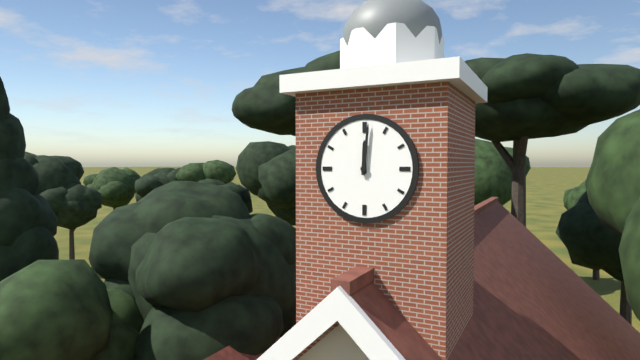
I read 12,01
